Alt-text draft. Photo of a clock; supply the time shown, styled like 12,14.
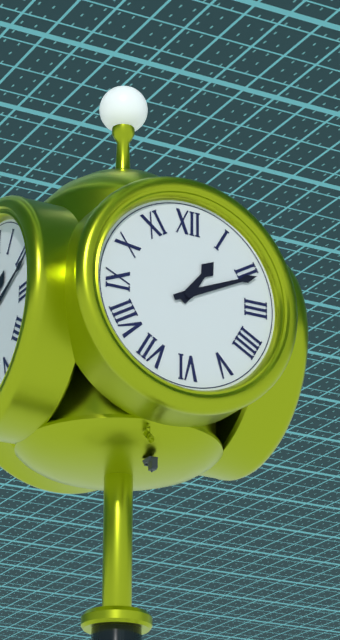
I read 1,11
